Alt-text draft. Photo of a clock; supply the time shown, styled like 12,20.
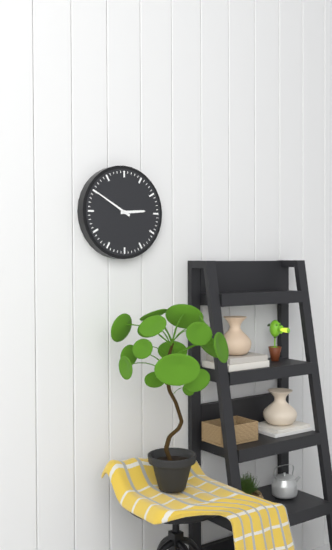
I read 2,50
